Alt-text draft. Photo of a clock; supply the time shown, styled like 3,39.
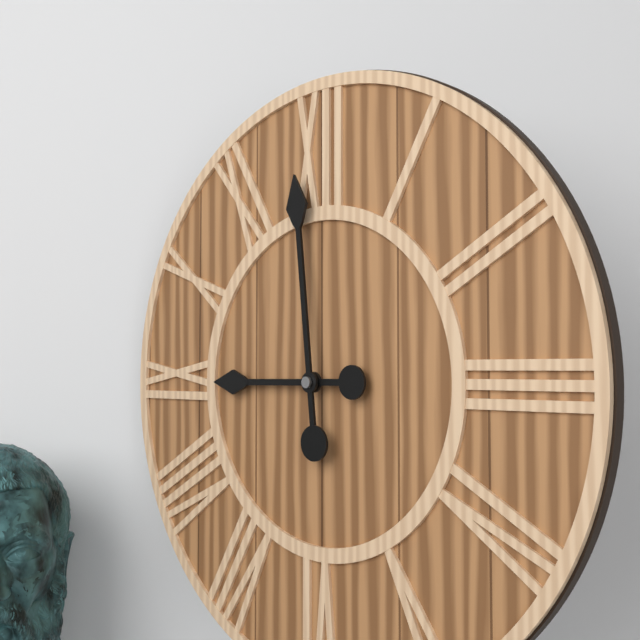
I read 8,59
